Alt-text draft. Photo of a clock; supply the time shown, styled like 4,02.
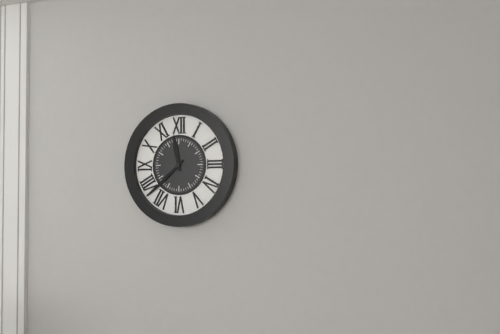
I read 11,38
